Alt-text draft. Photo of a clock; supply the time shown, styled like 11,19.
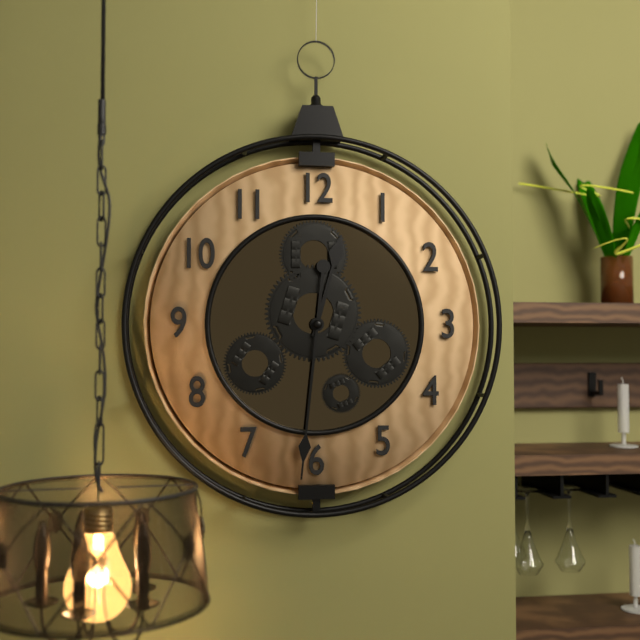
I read 12,31
